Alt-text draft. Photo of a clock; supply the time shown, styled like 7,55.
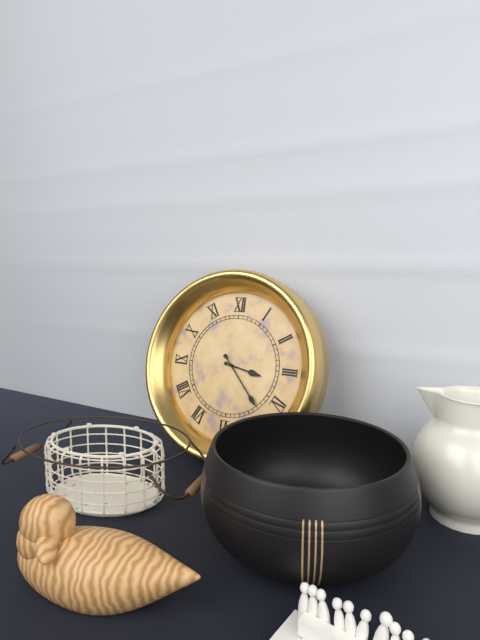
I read 3,23
